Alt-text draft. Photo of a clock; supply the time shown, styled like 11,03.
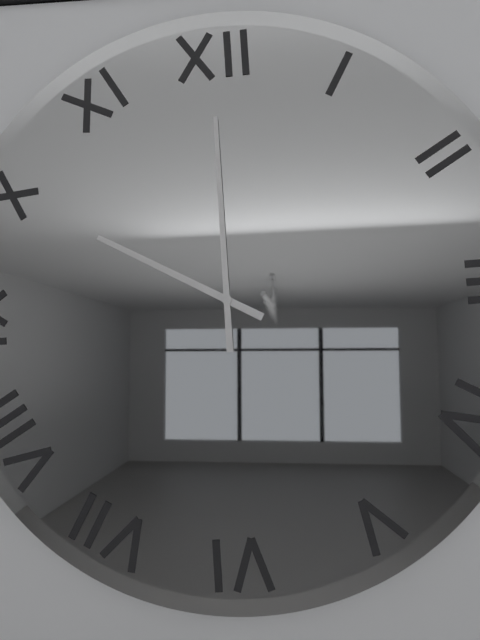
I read 10,00
